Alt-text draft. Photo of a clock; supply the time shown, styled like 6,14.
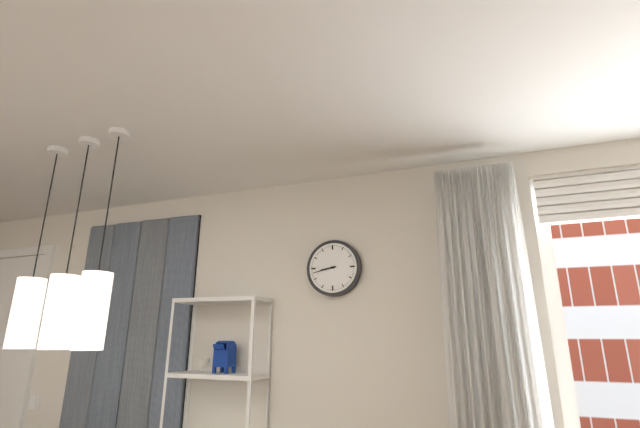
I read 8,43
